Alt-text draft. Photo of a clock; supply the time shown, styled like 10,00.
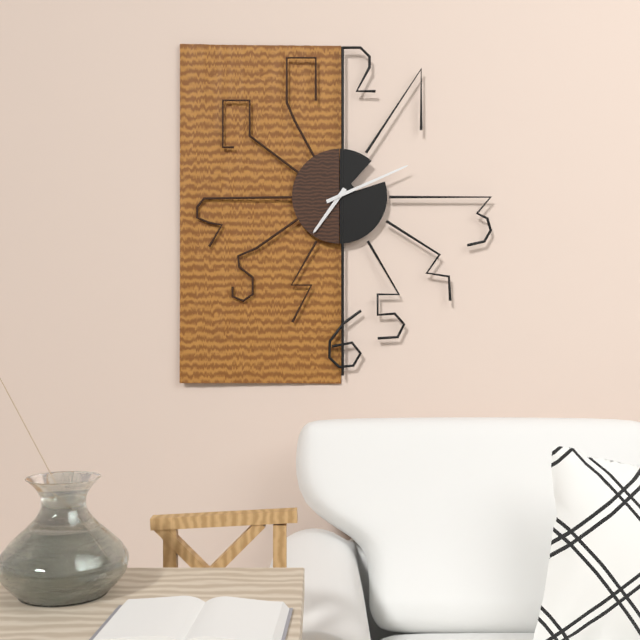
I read 7,11
